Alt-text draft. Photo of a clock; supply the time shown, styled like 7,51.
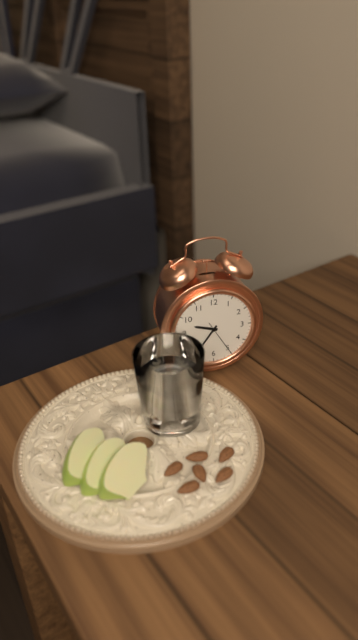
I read 9,36
